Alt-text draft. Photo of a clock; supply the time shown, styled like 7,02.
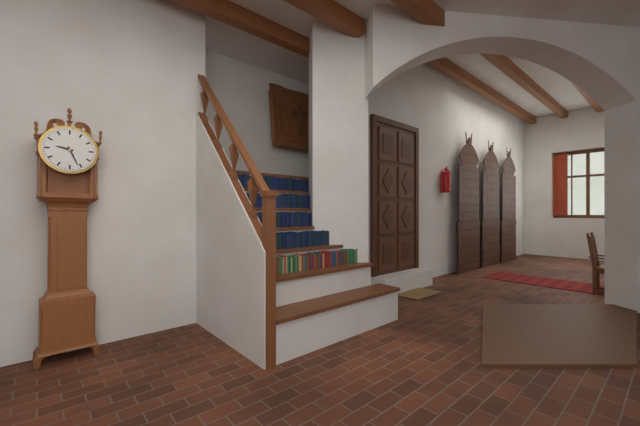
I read 9,26
